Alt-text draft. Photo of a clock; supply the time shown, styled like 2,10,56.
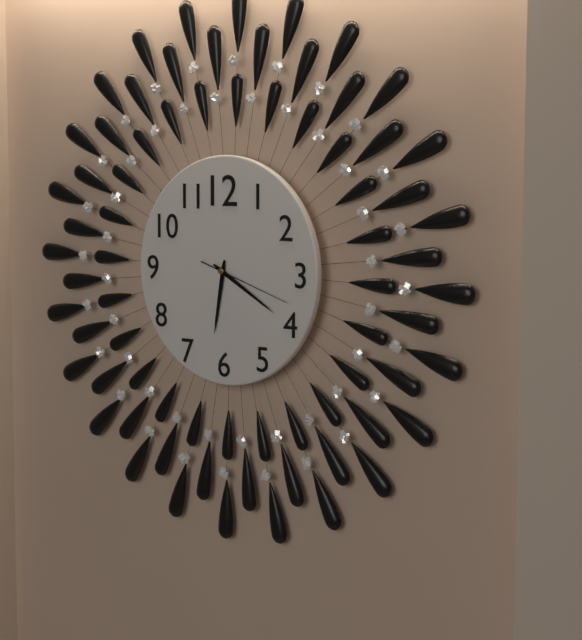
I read 6,20,18
